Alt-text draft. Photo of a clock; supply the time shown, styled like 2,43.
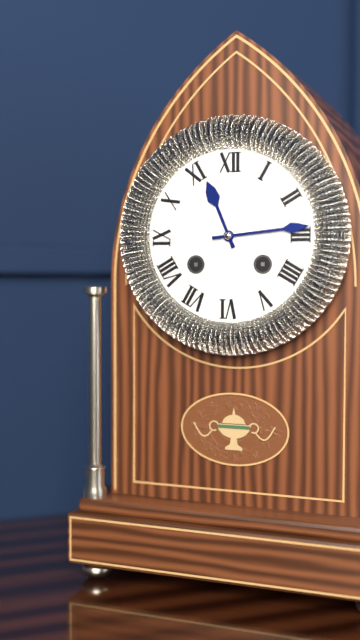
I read 11,14
